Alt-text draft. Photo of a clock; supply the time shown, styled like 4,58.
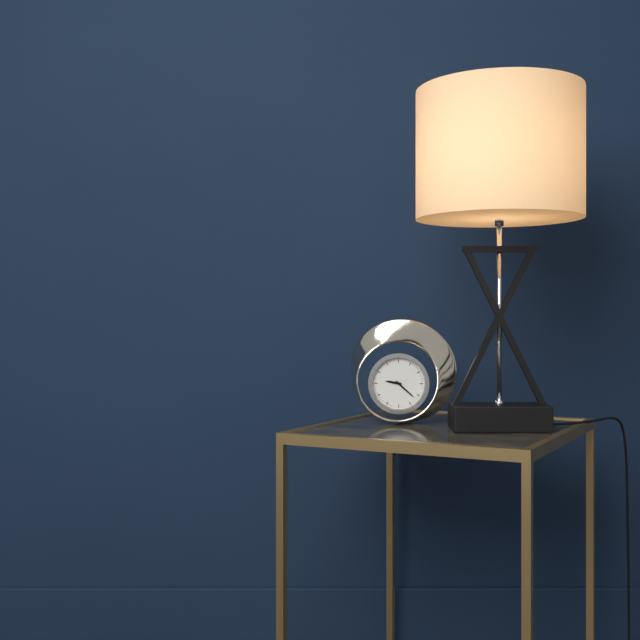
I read 9,22
